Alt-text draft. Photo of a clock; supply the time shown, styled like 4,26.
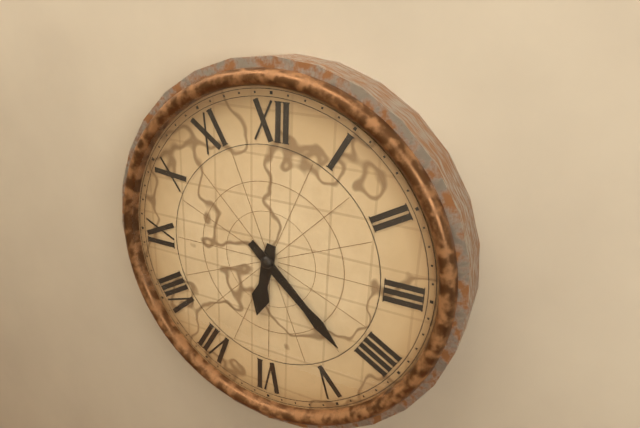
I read 6,22
